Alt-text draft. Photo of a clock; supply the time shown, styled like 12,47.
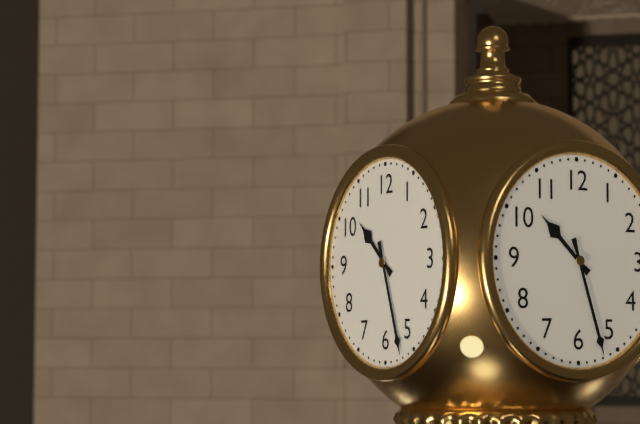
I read 10,27
